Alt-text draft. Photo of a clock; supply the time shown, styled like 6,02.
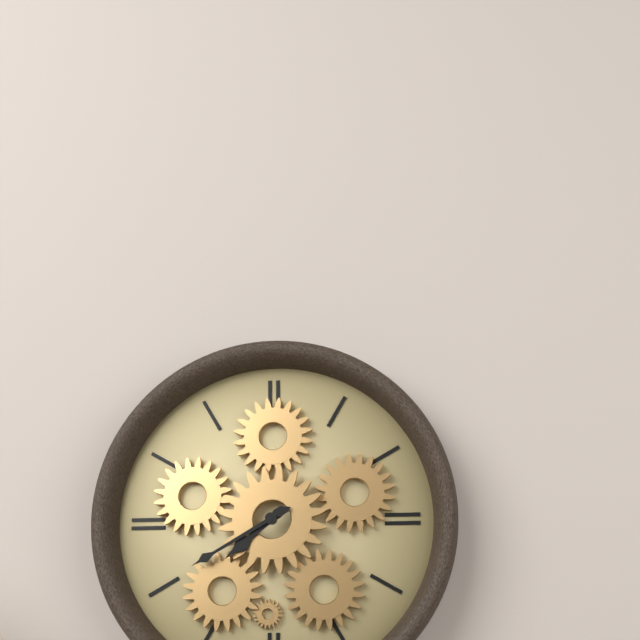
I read 7,40
